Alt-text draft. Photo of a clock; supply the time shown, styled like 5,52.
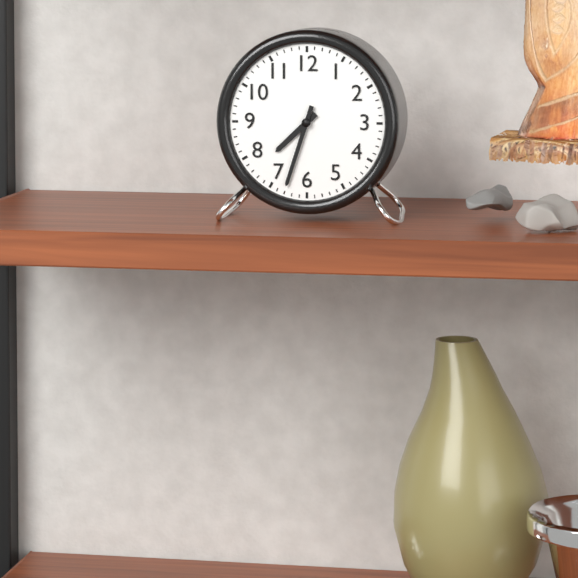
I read 7,33
